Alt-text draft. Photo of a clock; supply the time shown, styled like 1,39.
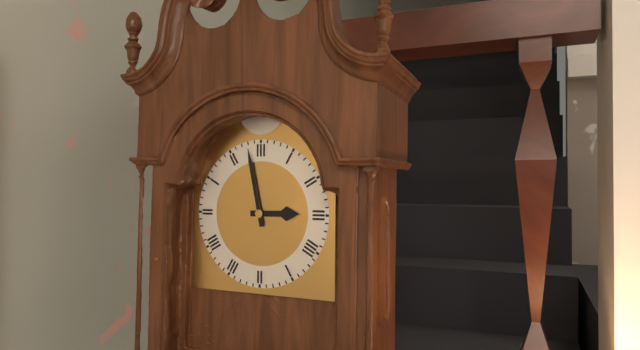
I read 2,58
